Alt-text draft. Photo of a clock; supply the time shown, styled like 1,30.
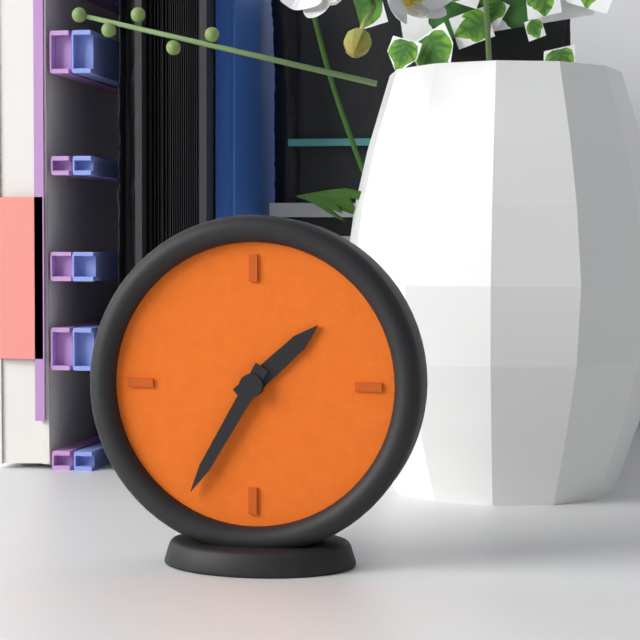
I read 1,35
